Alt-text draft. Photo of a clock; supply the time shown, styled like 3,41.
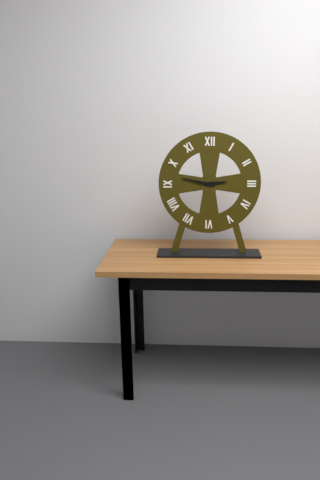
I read 2,47
